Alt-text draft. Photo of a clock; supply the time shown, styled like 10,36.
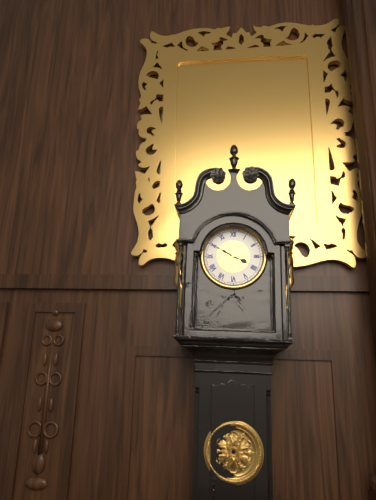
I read 3,50
